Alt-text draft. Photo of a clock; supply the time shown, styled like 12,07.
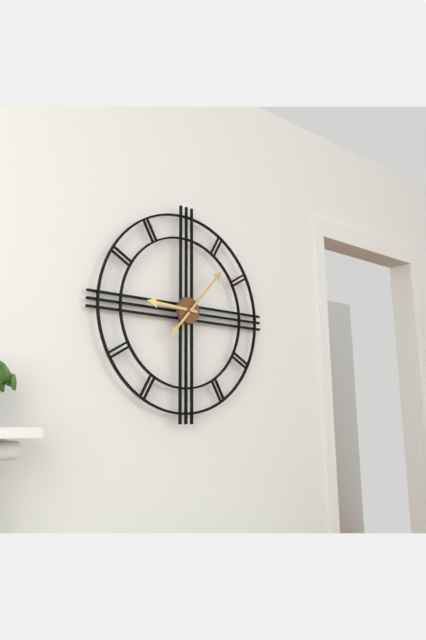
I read 9,07
